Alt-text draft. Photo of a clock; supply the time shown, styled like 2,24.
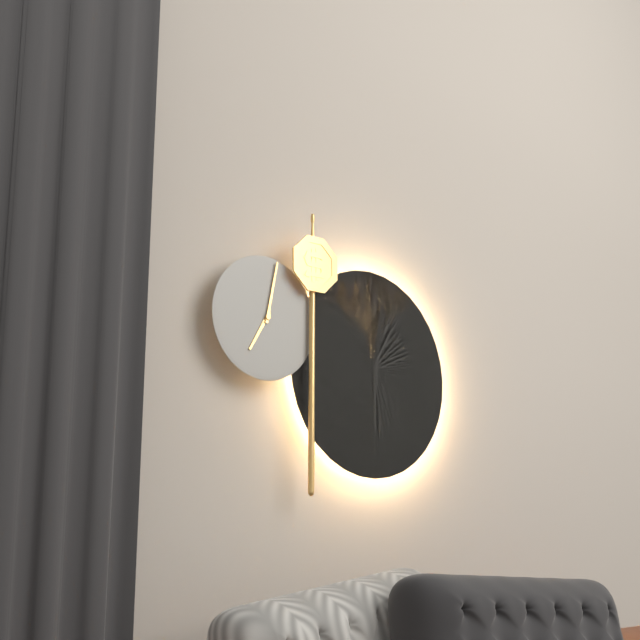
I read 7,02
